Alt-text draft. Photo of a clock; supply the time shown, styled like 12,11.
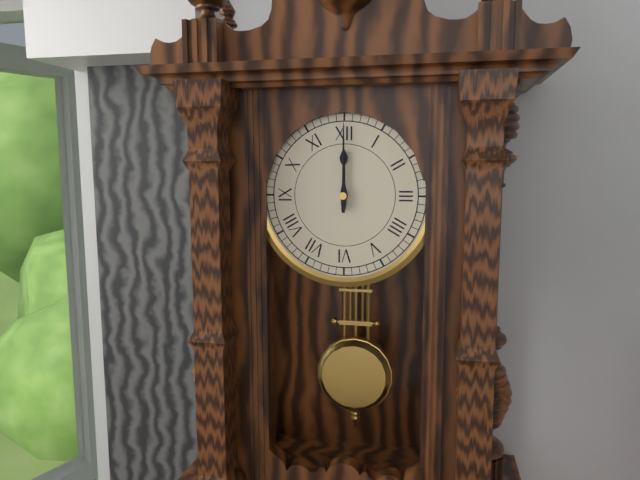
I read 12,00
